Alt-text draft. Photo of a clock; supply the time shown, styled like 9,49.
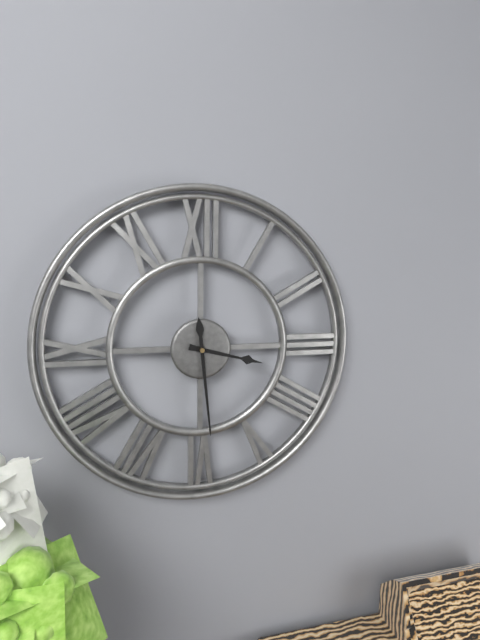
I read 3,29
